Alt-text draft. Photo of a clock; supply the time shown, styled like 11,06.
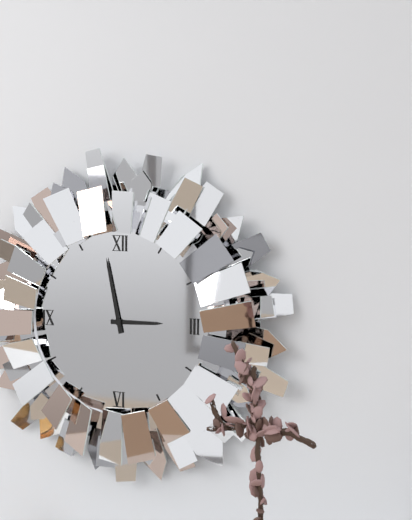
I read 2,58
